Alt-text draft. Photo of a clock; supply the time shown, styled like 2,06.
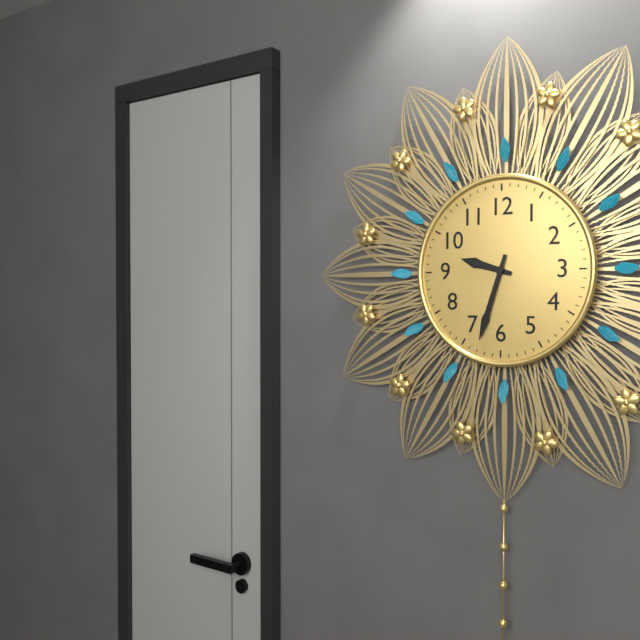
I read 9,33
